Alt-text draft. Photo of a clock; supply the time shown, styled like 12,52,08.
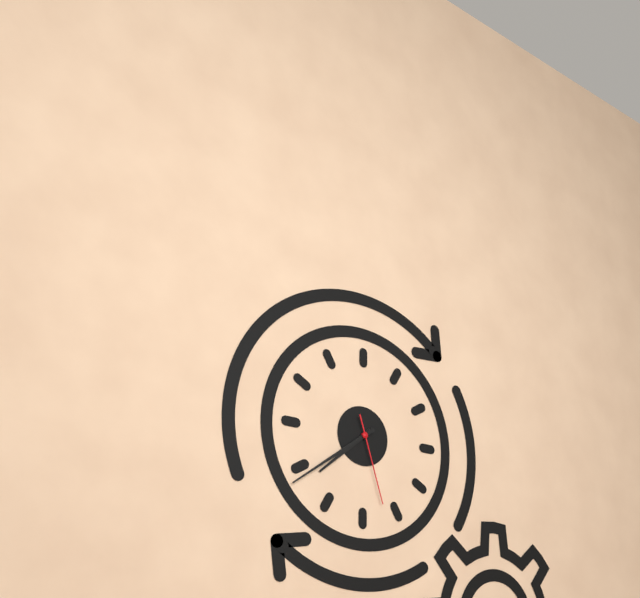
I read 7,39,27
